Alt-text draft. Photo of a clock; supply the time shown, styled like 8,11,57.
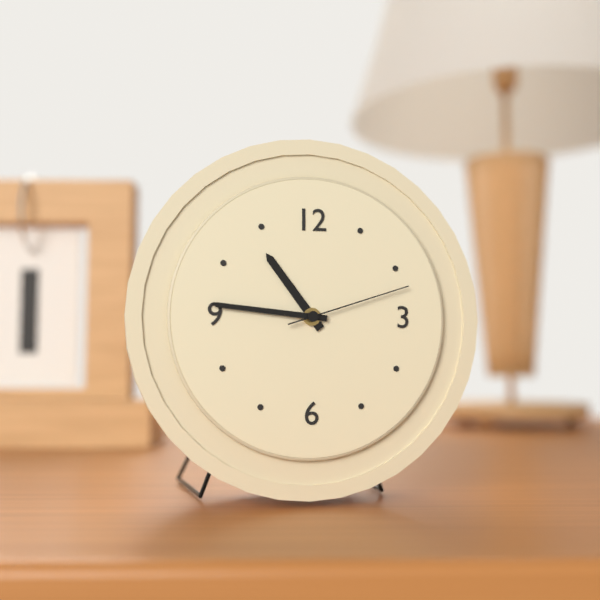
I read 10,46,12
